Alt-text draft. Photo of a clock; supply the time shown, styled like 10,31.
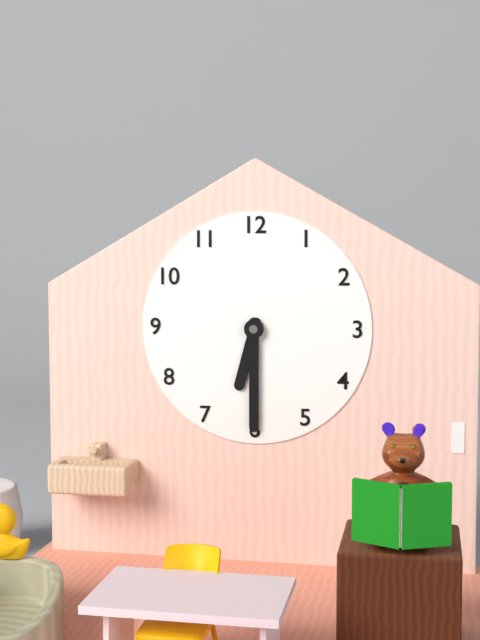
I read 6,30
